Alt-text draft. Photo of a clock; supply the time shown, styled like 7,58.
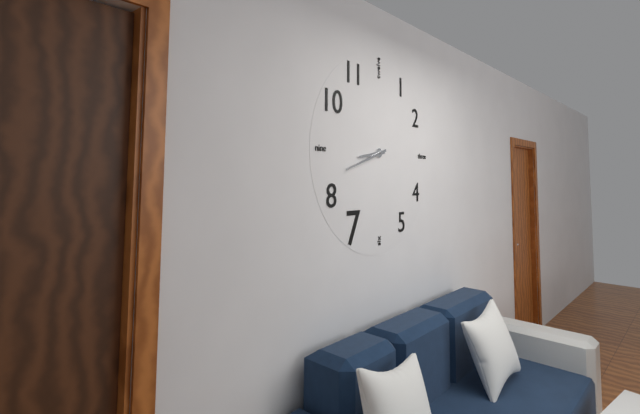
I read 8,42
